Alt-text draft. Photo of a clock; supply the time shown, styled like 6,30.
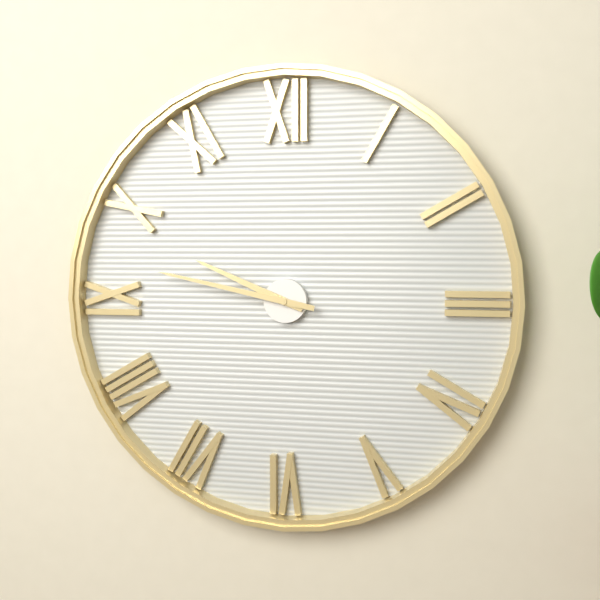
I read 9,47
